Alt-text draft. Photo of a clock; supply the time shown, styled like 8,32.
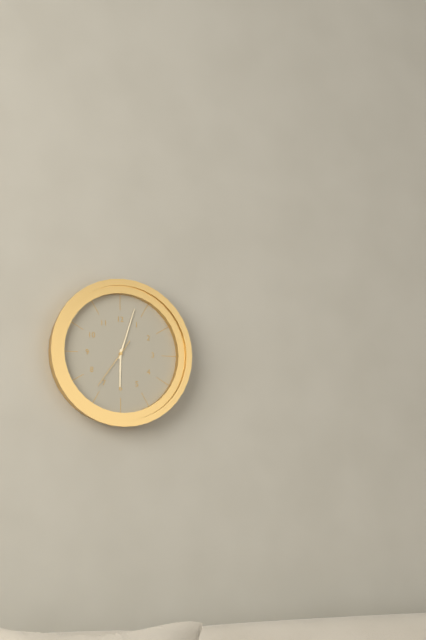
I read 6,03
